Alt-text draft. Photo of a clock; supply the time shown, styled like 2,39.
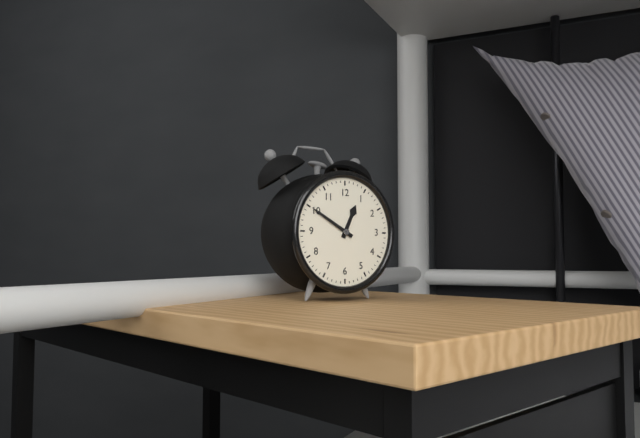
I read 12,50
